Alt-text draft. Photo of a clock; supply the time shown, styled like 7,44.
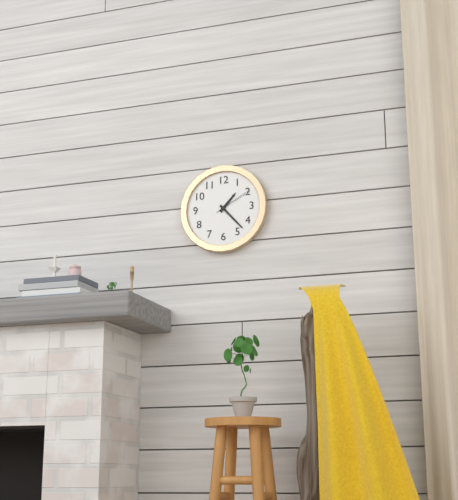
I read 1,23
